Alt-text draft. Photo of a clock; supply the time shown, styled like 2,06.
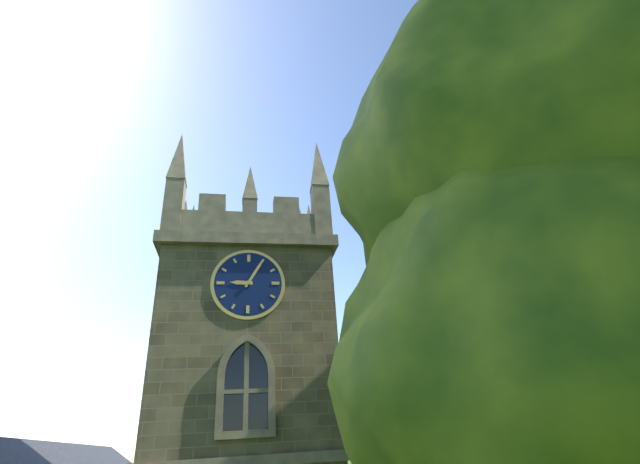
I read 9,05
